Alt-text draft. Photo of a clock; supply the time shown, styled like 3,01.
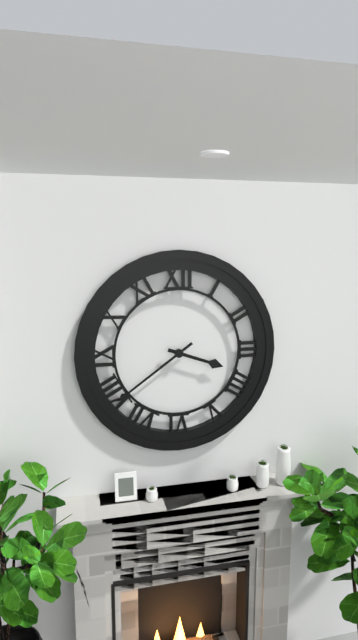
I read 3,39
